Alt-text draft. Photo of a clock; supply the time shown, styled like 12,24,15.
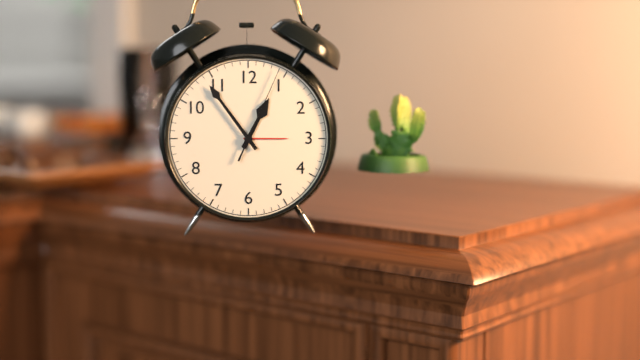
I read 12,54,04
